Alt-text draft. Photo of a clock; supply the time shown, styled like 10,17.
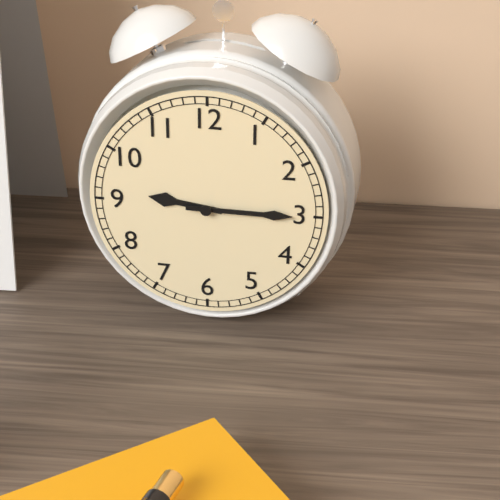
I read 9,15
